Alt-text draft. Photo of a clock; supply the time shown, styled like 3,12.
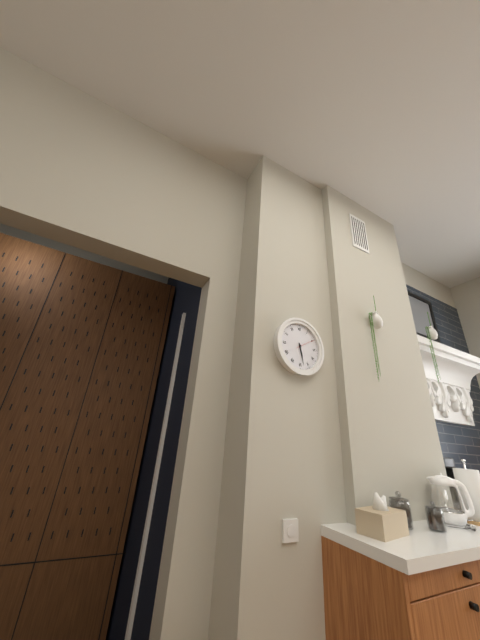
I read 5,28
